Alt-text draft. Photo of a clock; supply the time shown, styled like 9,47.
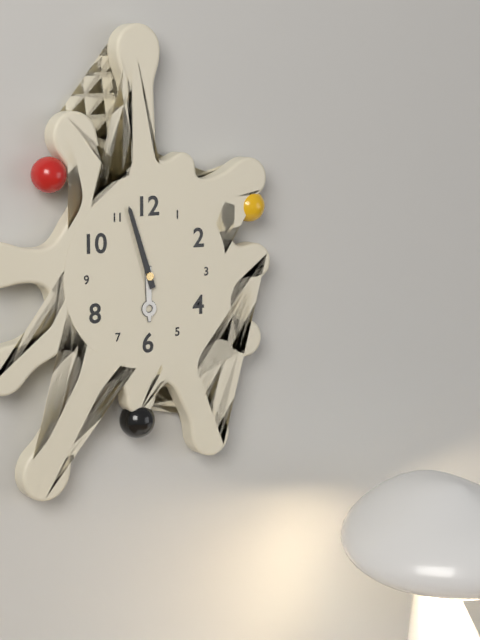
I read 5,57
